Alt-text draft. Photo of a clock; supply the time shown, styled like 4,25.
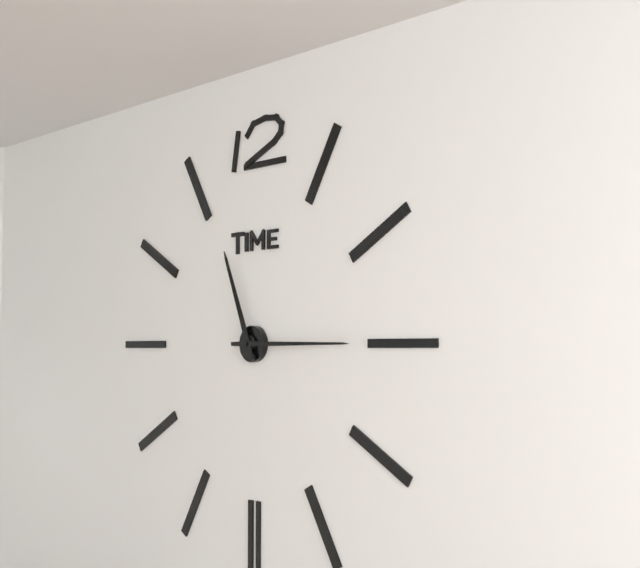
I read 11,15
